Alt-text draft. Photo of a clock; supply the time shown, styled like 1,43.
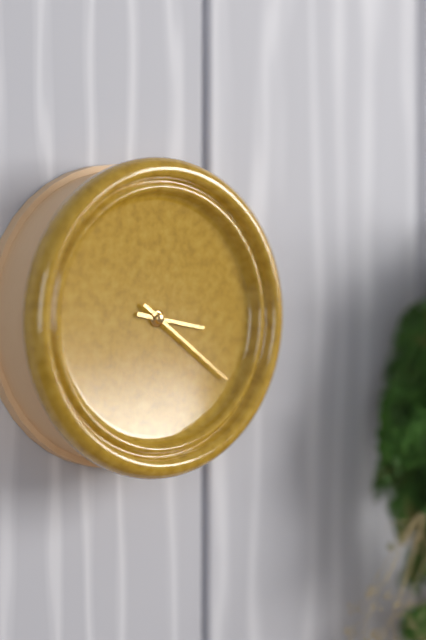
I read 3,21
